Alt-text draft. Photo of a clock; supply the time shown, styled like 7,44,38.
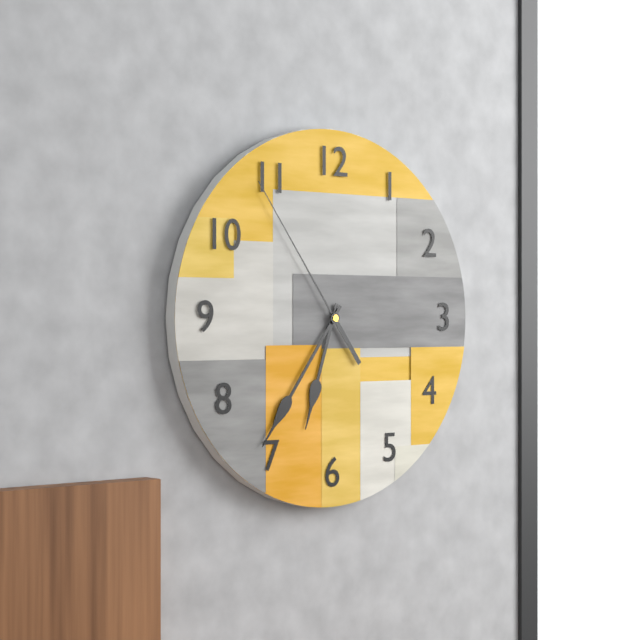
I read 6,36,54
